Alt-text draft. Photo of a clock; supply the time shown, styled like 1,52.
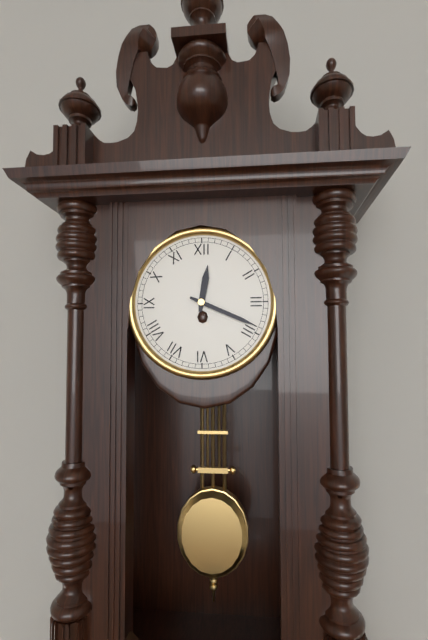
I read 12,19
